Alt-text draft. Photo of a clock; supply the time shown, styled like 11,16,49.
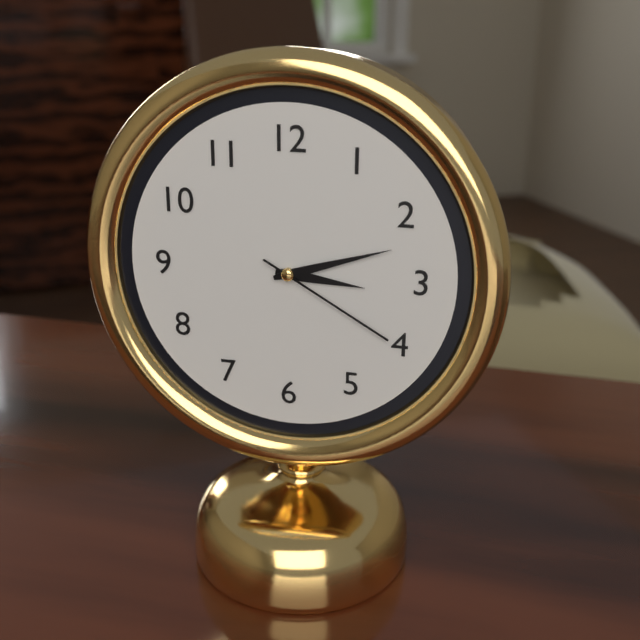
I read 3,12,20
